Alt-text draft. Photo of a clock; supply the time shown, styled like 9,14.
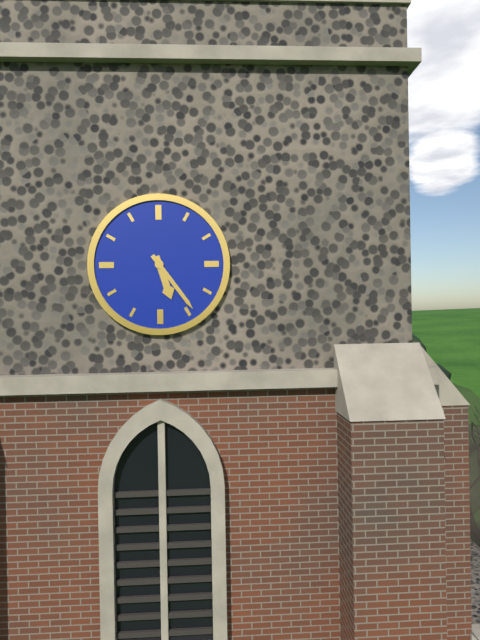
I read 5,24
